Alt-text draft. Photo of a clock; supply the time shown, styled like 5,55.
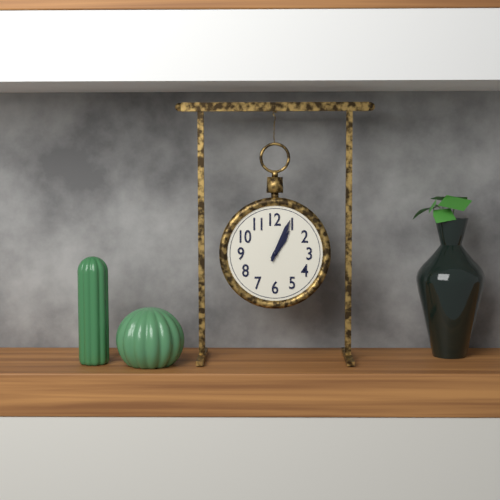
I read 1,04
